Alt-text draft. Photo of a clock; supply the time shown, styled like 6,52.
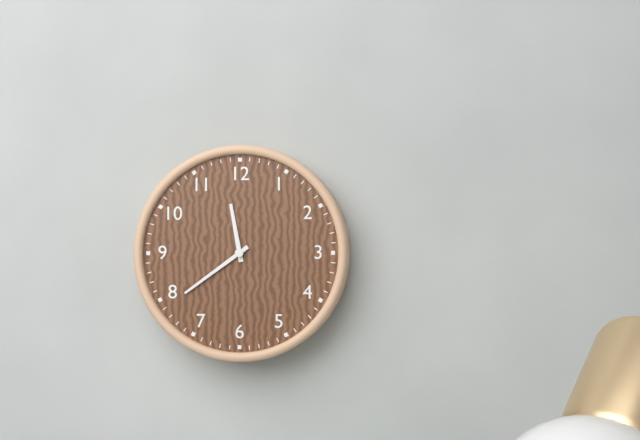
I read 11,39
